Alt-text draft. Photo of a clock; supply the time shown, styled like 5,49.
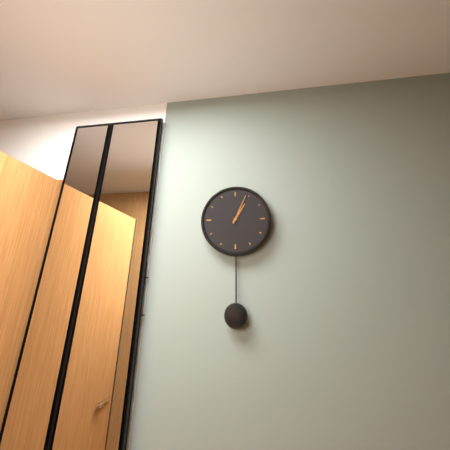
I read 1,04
